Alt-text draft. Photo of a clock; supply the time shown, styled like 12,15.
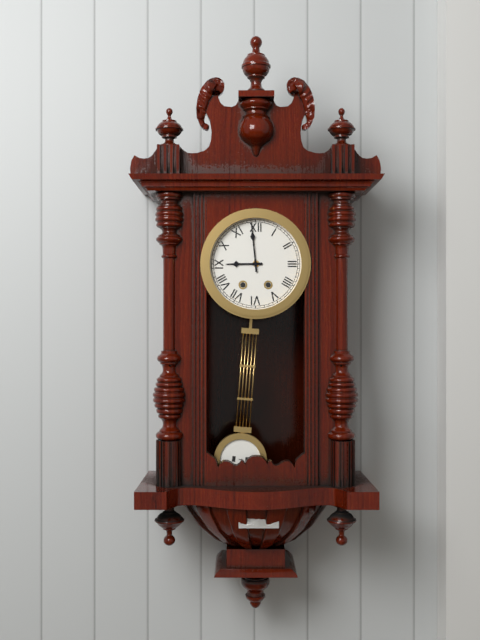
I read 8,59
